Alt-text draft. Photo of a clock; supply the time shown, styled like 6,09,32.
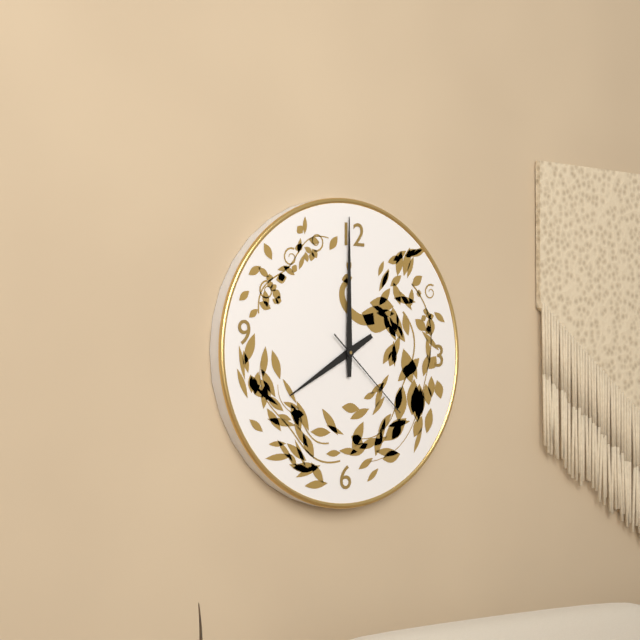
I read 8,00,22
